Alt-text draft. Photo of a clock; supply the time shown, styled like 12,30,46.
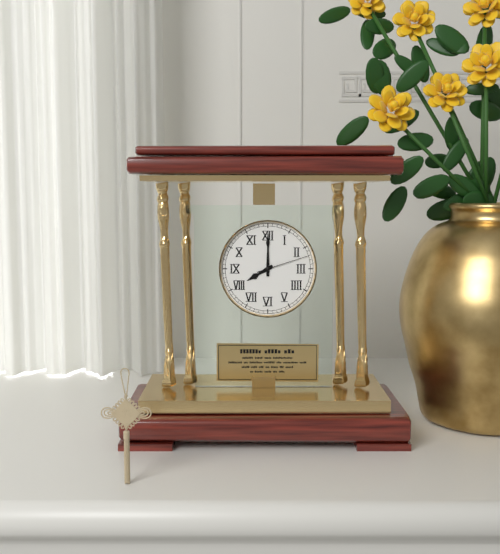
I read 8,00,12
